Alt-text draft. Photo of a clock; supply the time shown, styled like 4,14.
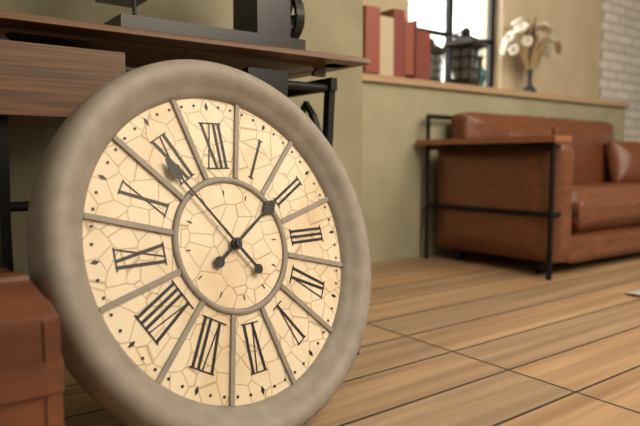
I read 1,54
